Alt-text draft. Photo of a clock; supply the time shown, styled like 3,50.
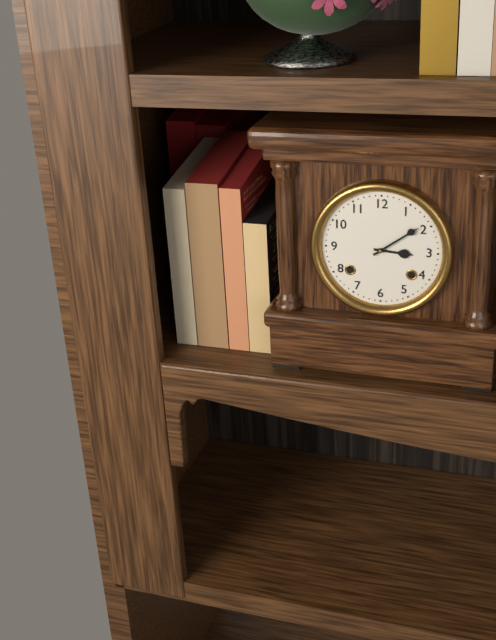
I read 3,09
